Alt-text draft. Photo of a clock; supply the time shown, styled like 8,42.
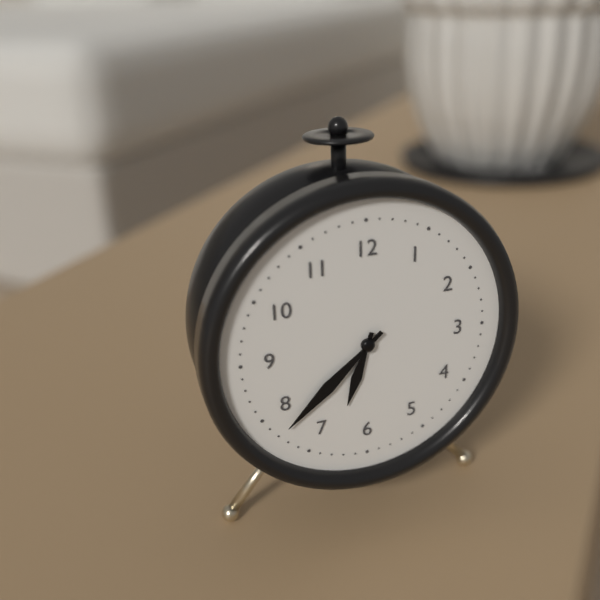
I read 6,38
